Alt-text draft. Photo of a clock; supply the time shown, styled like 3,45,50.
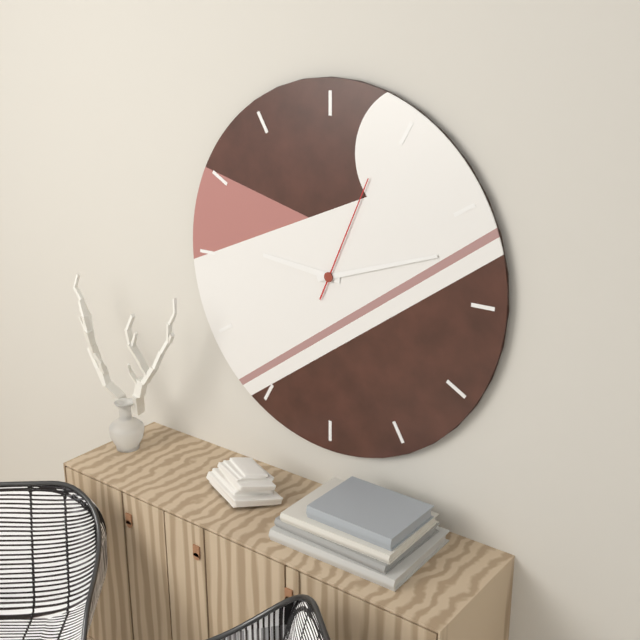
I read 9,12,04
